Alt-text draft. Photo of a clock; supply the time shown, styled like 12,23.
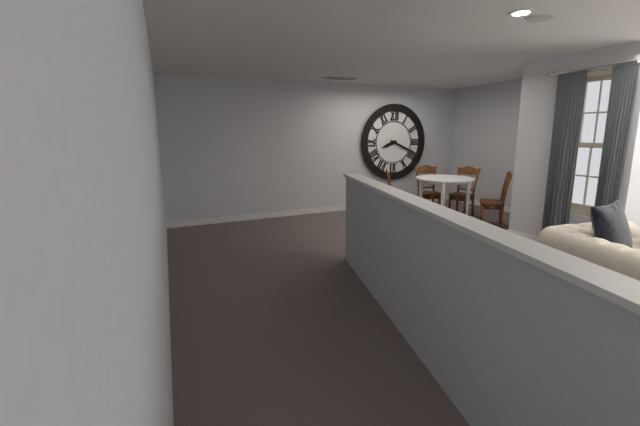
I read 8,19
